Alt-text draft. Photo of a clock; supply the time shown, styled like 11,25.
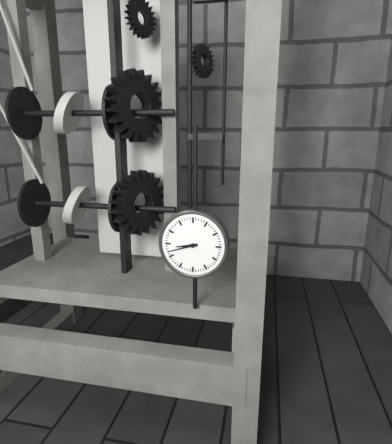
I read 8,42
